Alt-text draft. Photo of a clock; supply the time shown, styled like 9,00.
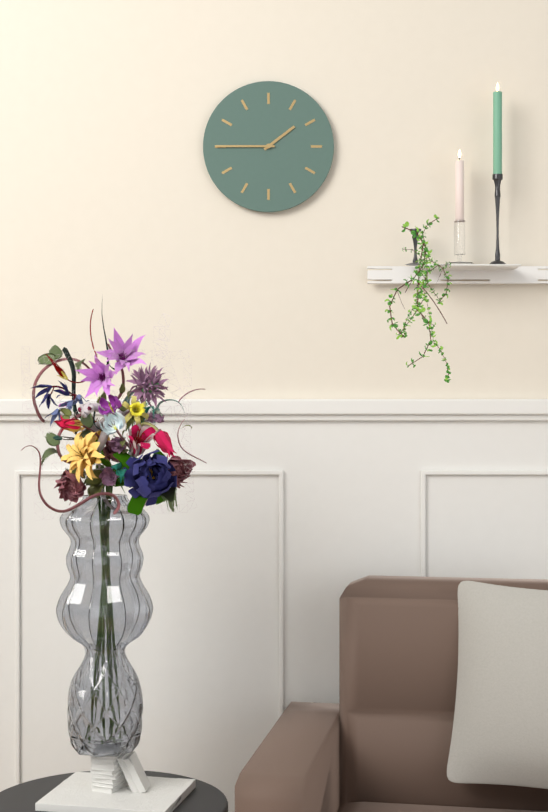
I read 1,45
